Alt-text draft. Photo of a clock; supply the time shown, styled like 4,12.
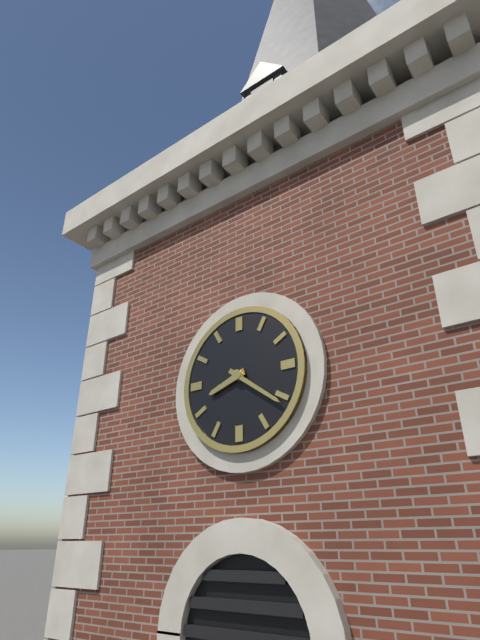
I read 8,21
